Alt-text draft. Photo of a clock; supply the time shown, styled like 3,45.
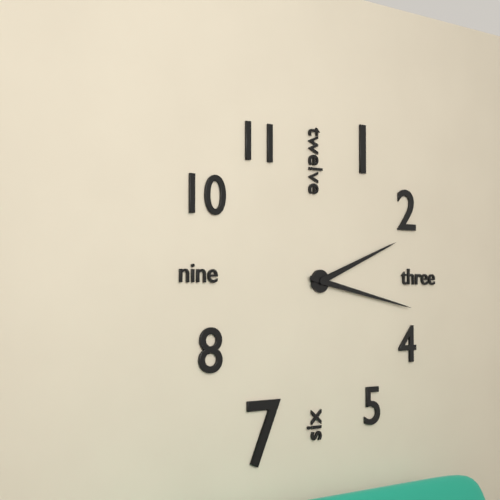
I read 2,17
